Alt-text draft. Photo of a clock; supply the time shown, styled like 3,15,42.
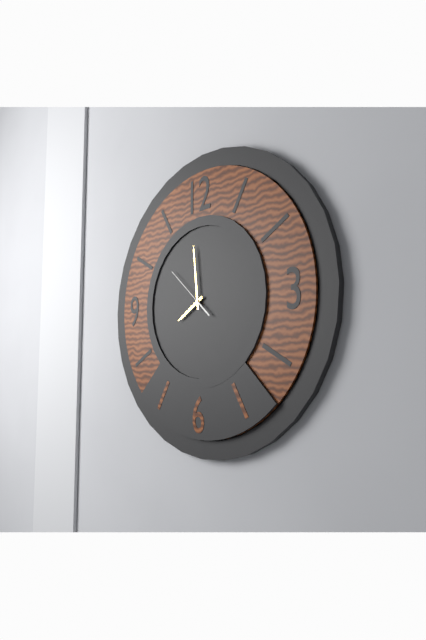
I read 7,59,52
